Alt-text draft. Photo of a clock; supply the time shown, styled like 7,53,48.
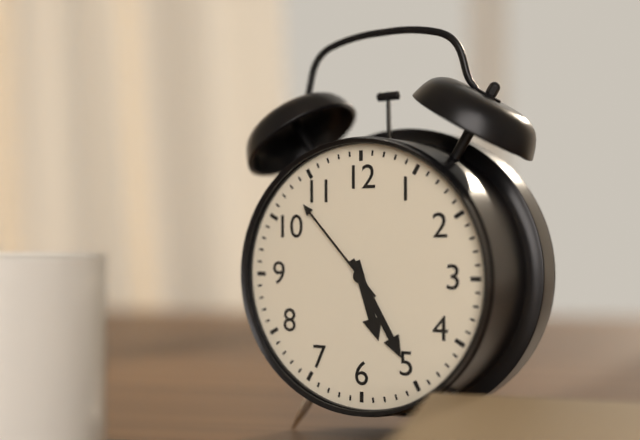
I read 5,25,53
